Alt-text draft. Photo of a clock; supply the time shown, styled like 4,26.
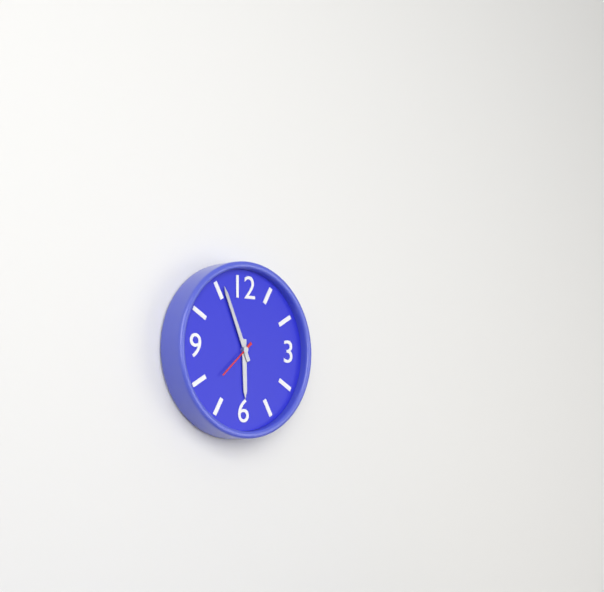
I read 5,56
